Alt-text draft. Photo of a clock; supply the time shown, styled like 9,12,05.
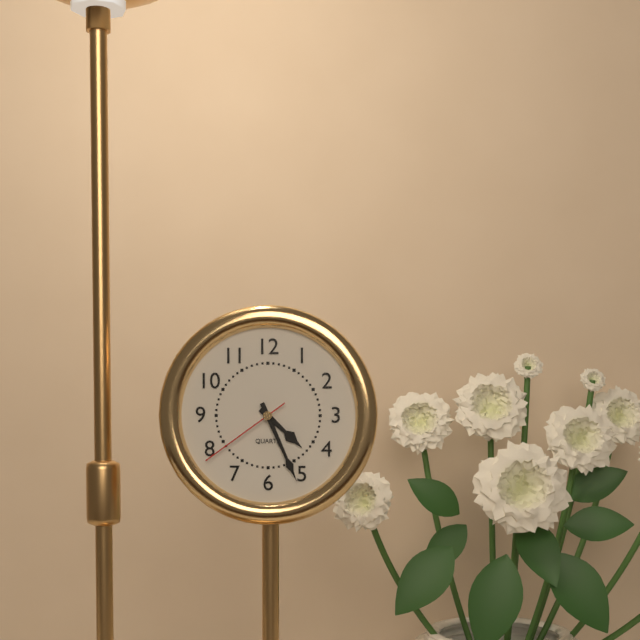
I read 4,26,39
